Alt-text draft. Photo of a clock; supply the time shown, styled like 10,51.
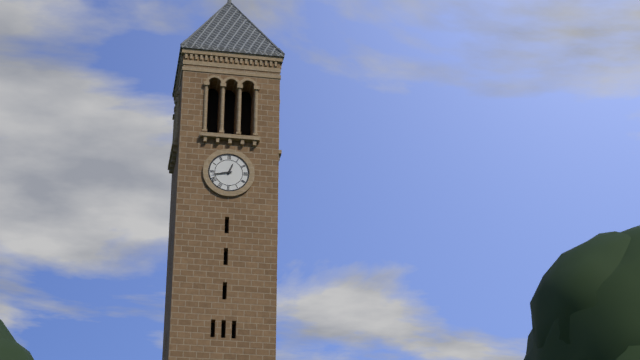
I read 12,43
